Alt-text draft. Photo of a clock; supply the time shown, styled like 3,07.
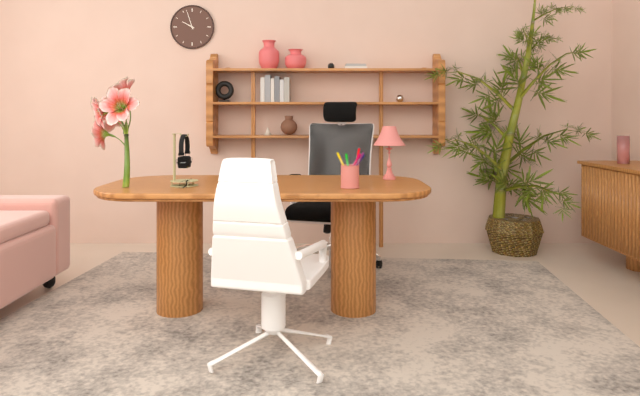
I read 9,57
